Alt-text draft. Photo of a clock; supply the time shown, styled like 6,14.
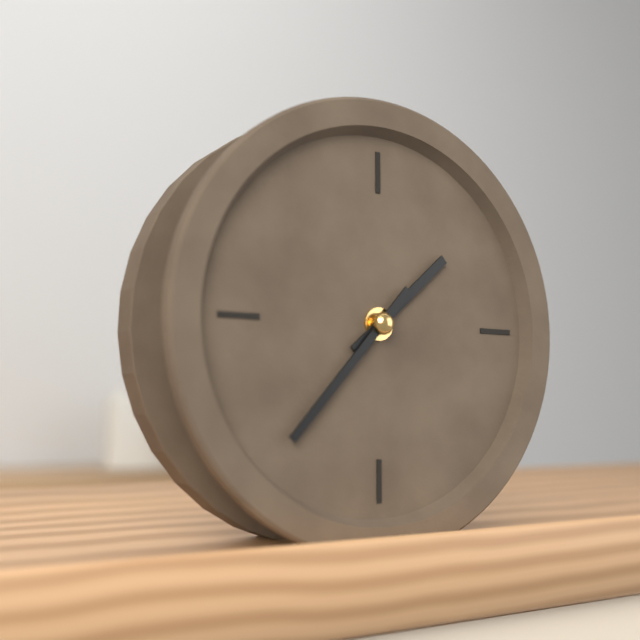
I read 1,37
